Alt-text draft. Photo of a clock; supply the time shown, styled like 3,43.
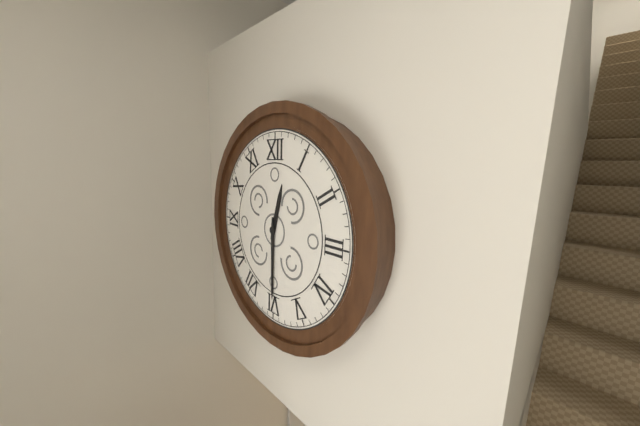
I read 12,30
